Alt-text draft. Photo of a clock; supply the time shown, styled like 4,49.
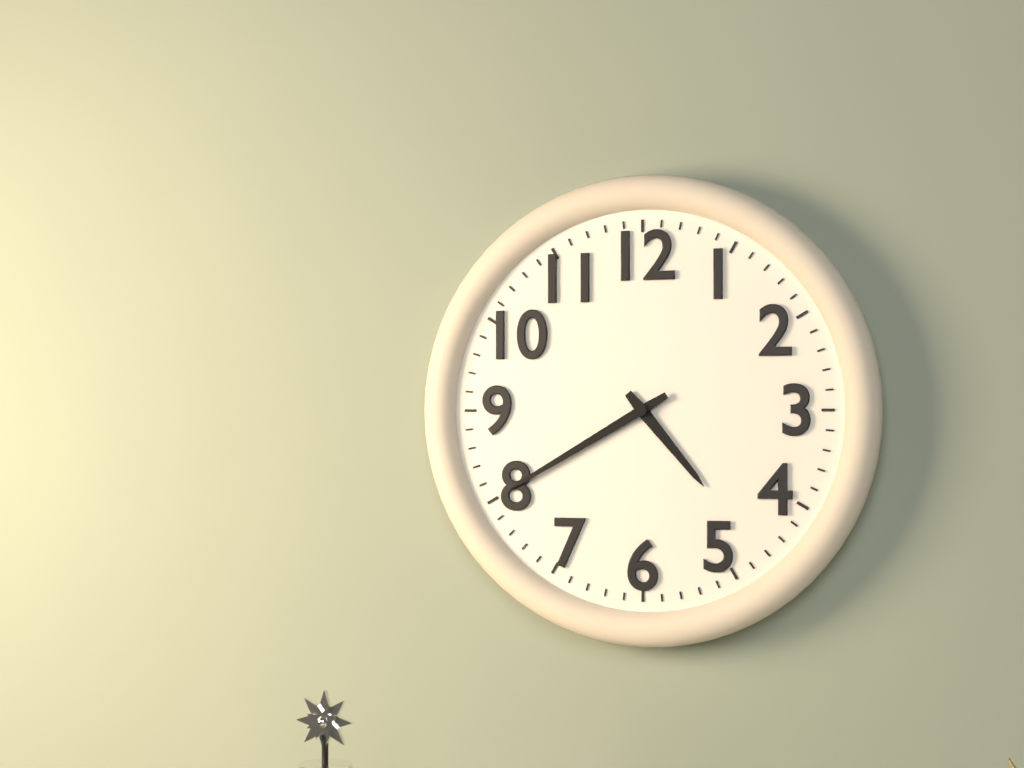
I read 4,40
